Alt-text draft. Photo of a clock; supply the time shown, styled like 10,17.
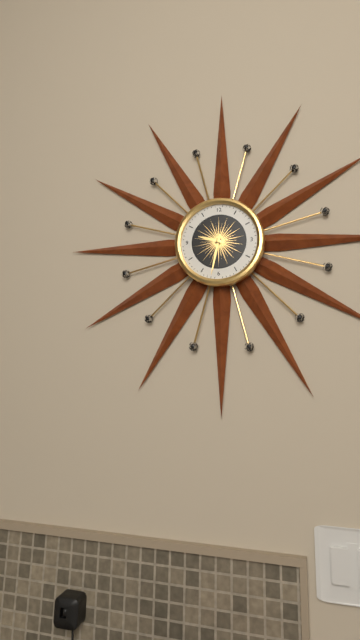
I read 9,32
